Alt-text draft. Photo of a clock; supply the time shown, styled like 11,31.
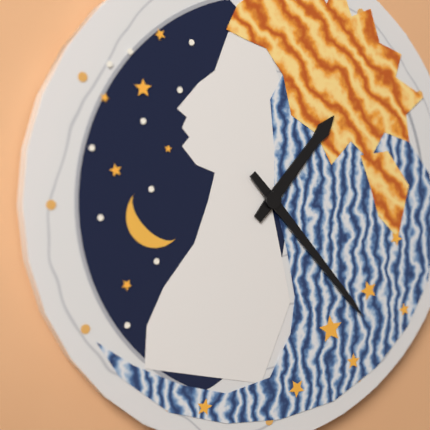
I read 1,23
